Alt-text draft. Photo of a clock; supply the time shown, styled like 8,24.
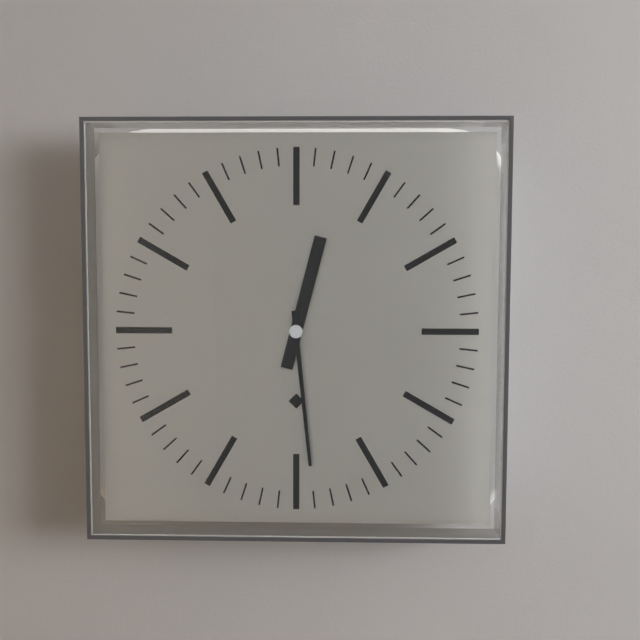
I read 12,29
